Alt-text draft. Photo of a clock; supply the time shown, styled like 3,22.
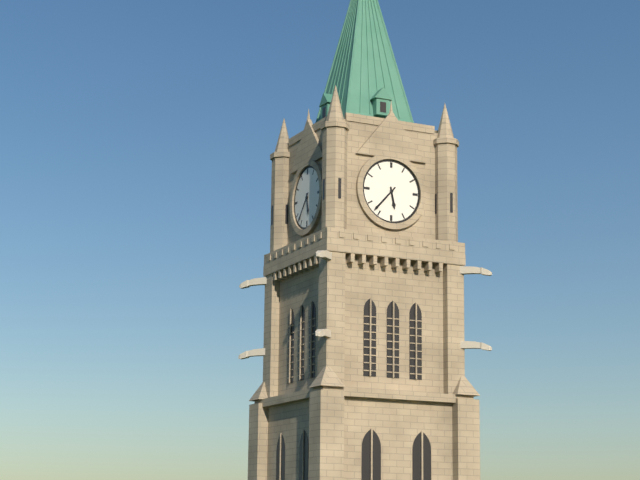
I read 5,37
